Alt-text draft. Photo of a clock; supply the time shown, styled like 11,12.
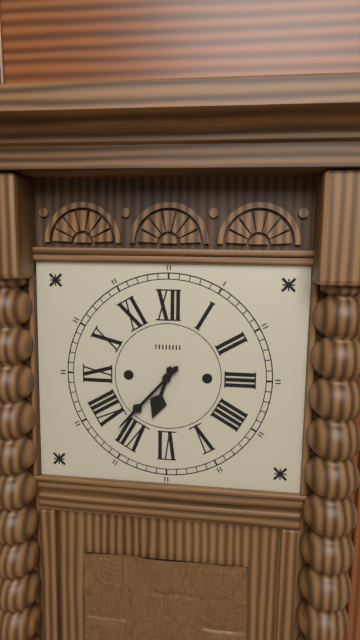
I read 6,37
